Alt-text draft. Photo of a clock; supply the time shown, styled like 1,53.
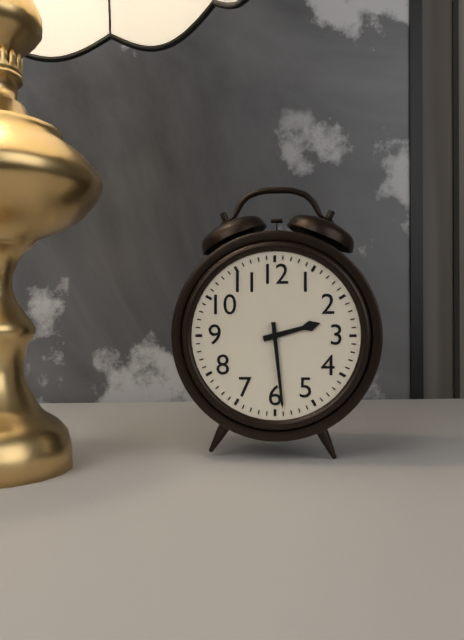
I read 2,29
